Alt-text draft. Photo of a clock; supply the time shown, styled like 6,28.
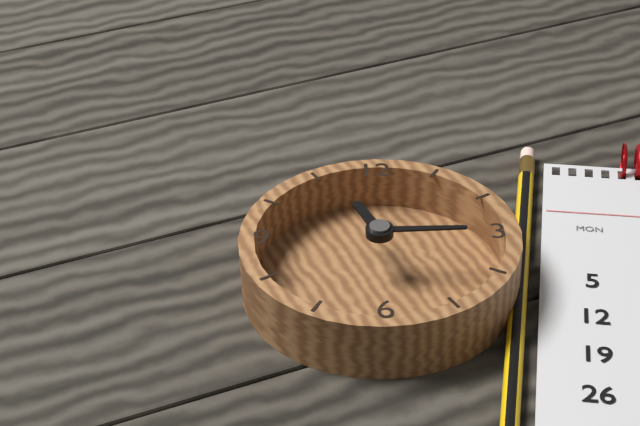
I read 11,15
